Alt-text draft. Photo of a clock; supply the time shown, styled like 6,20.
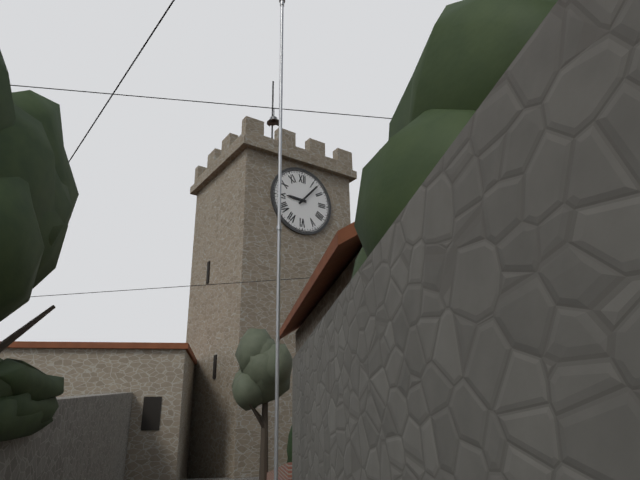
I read 9,07
